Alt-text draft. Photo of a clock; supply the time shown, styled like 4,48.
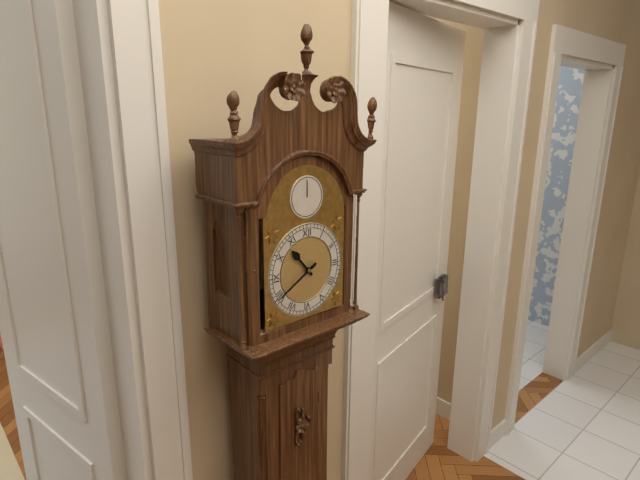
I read 10,40
